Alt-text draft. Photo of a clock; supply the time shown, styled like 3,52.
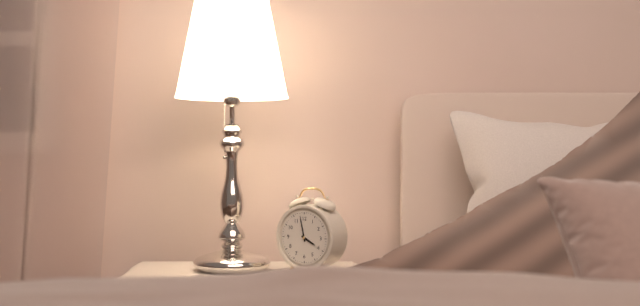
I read 3,58
